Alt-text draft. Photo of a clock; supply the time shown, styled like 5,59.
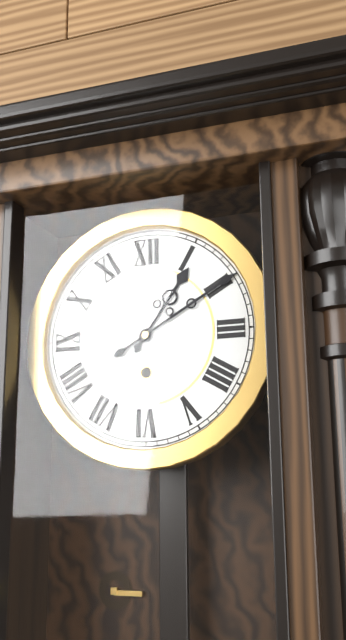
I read 1,10
